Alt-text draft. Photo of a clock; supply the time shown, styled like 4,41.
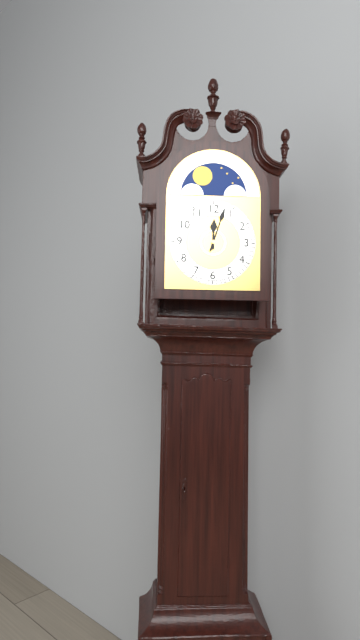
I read 12,03
